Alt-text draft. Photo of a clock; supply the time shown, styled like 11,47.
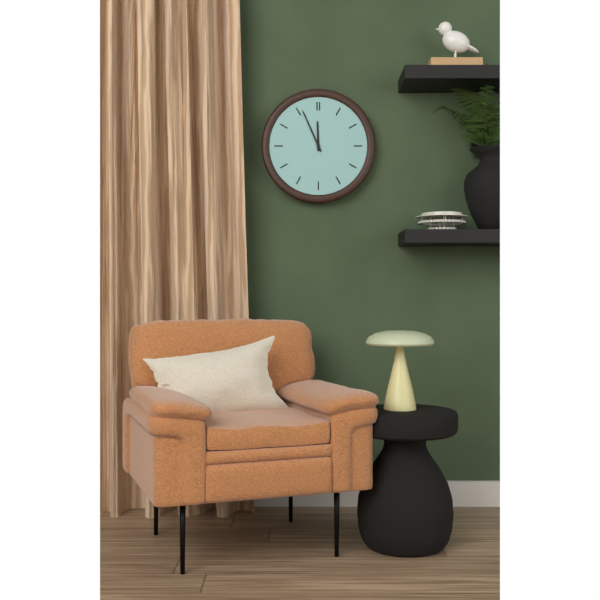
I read 11,56
